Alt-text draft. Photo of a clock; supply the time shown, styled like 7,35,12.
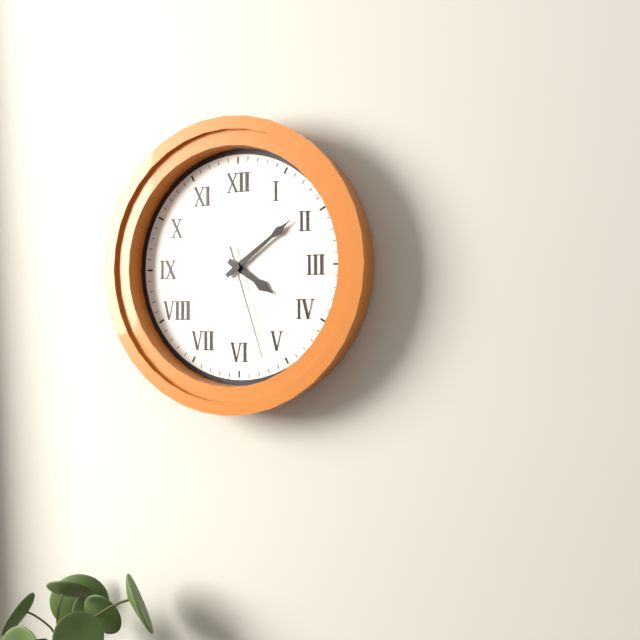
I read 4,09,27
